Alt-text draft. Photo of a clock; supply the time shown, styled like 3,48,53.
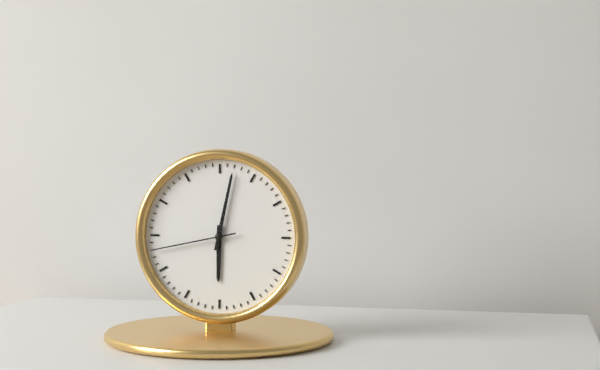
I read 6,02,43
